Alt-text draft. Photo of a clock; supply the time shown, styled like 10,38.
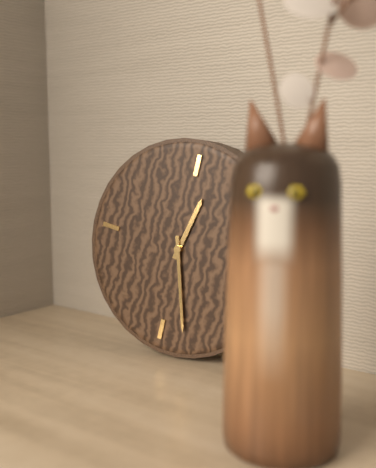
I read 12,27
